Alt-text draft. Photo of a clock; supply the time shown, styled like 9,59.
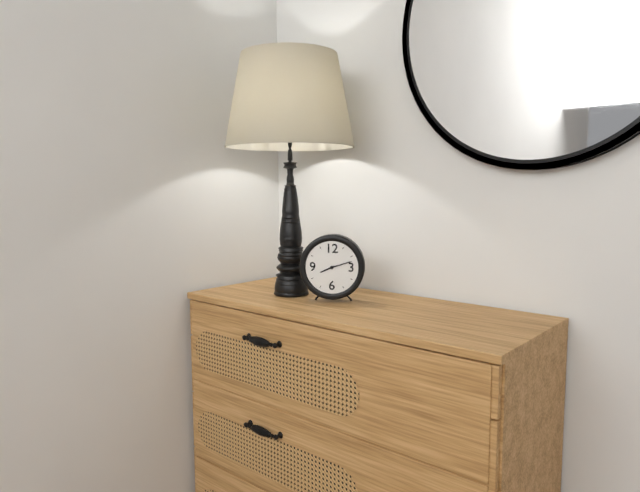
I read 8,12
